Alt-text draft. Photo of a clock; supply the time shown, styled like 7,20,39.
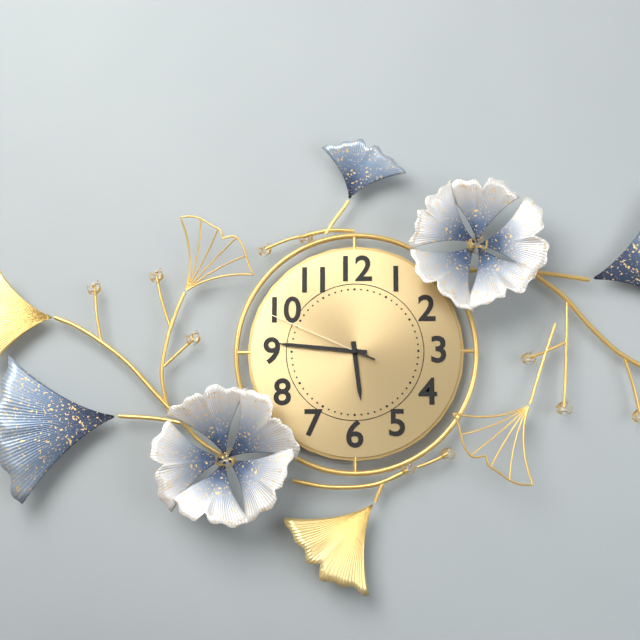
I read 5,46,49
